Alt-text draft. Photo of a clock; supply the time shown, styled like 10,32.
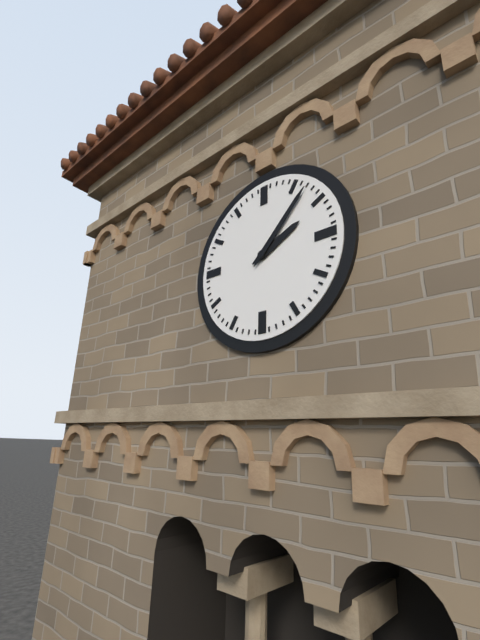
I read 2,07
